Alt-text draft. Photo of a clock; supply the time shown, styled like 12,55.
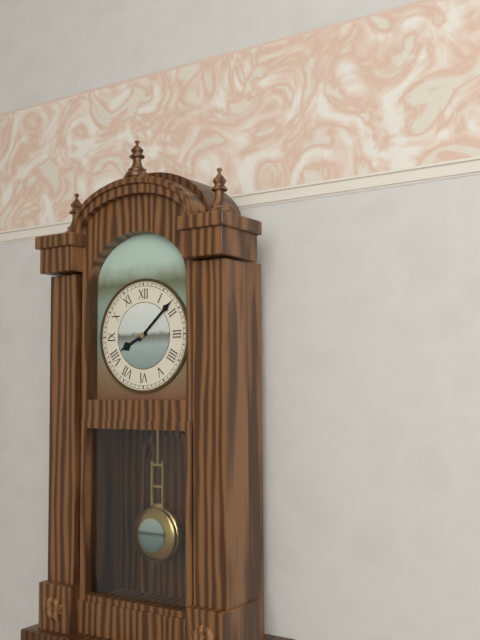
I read 8,08
